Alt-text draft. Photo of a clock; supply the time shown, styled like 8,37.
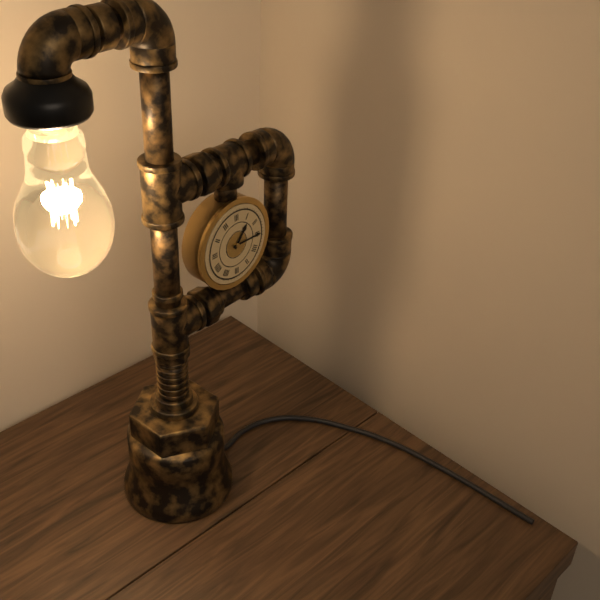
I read 1,15
